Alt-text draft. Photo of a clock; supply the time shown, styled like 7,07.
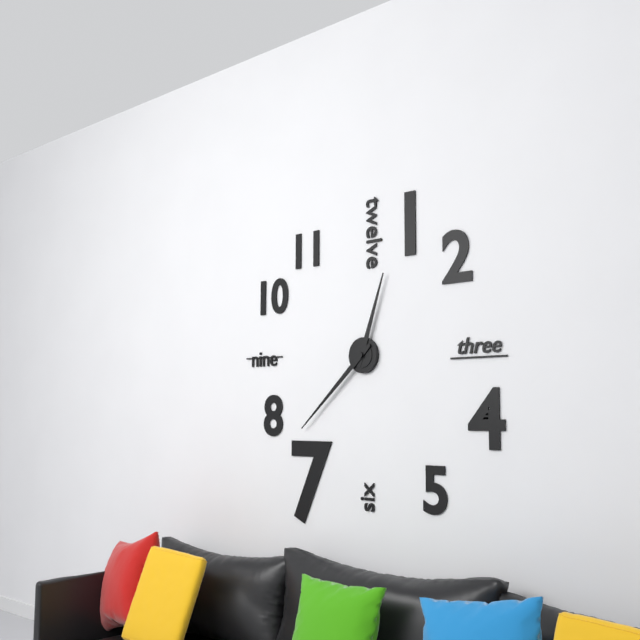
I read 12,38
